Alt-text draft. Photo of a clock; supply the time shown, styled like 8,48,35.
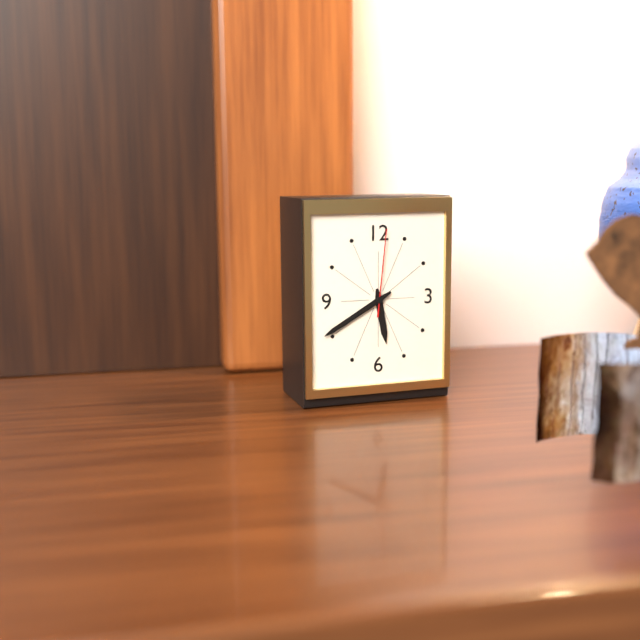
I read 5,40,01
